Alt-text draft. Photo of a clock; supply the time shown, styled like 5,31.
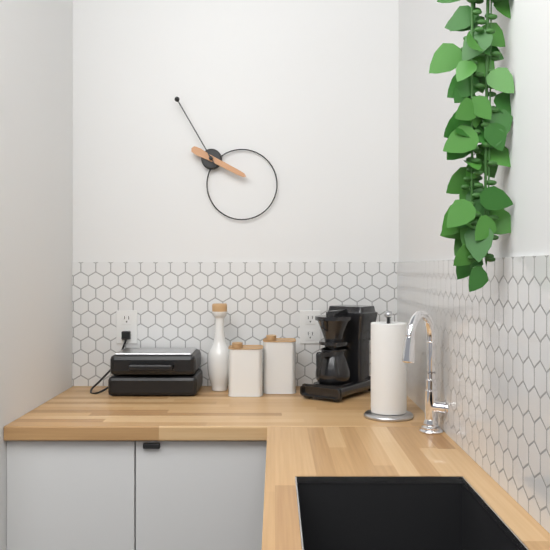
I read 3,55
